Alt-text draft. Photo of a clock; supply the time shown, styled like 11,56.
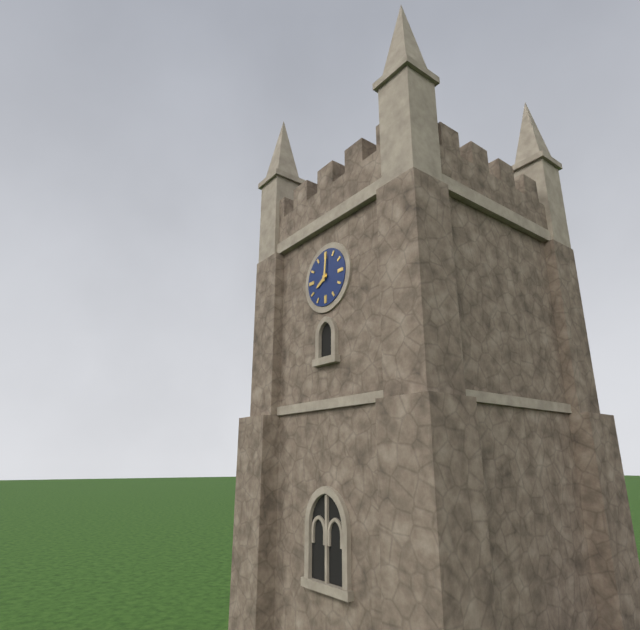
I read 8,01
